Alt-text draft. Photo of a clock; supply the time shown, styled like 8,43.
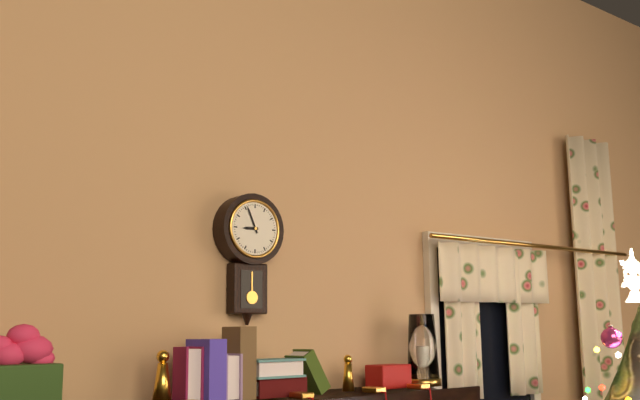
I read 8,56
